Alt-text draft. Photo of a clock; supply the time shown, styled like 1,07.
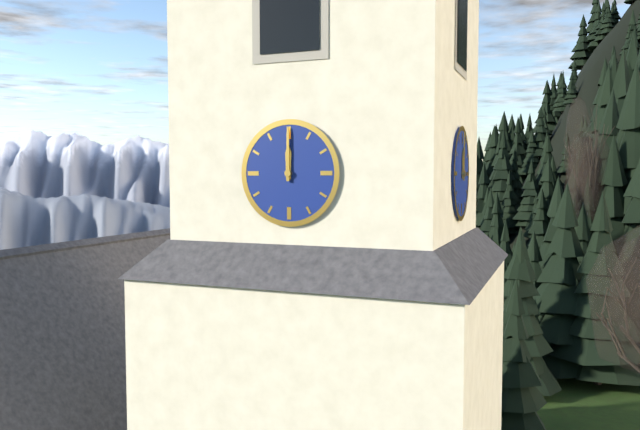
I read 12,00
